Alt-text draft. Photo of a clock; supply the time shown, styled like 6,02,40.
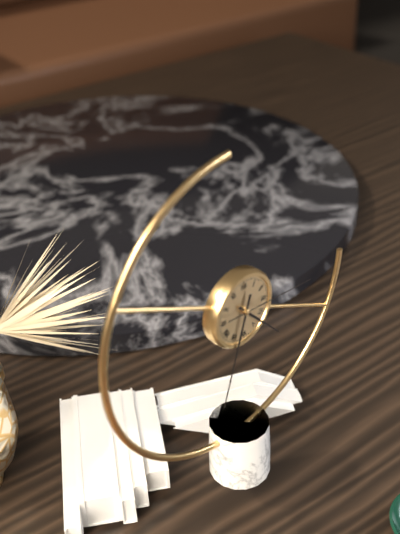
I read 4,33,16
